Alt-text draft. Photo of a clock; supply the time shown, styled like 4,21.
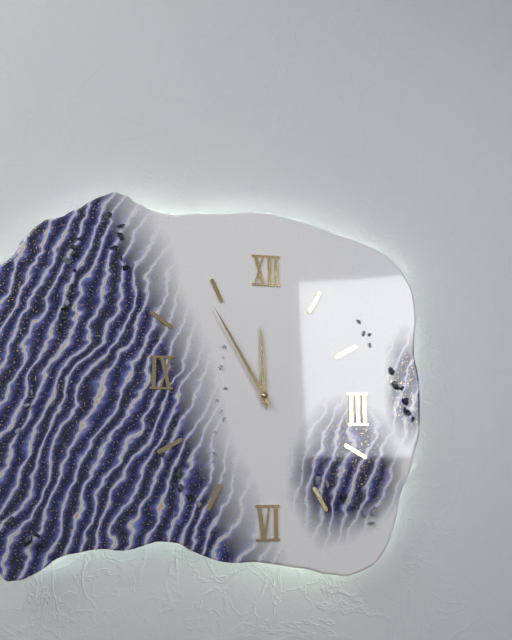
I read 11,55
